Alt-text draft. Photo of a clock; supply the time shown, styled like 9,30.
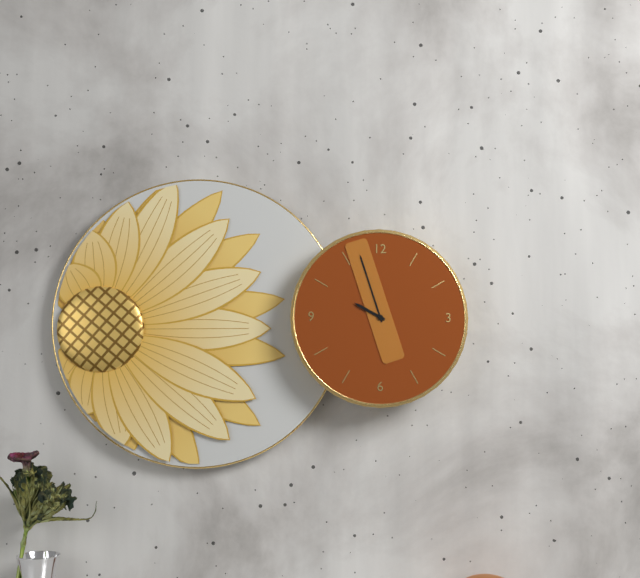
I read 9,57
